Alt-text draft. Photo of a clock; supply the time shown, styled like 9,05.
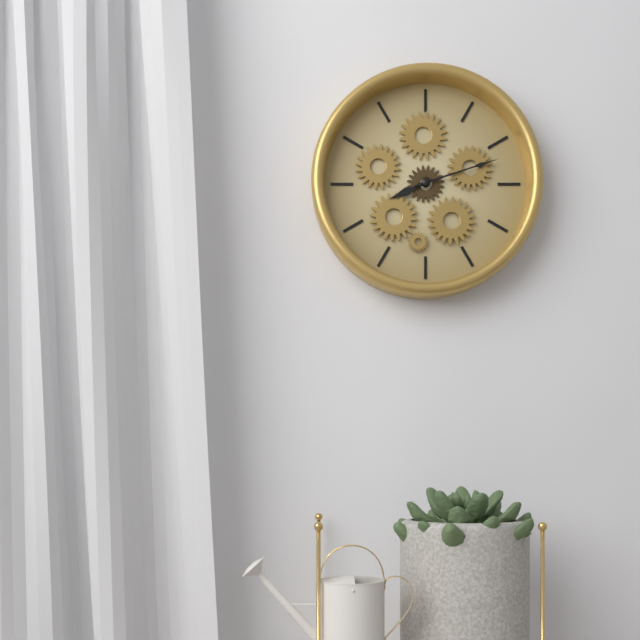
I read 8,12
